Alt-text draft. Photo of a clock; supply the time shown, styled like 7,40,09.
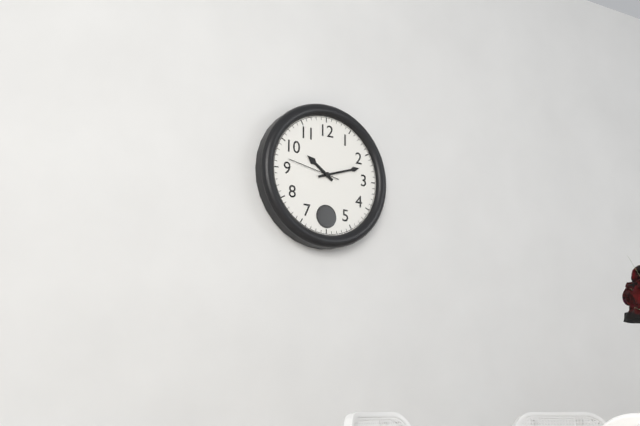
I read 10,12,47
